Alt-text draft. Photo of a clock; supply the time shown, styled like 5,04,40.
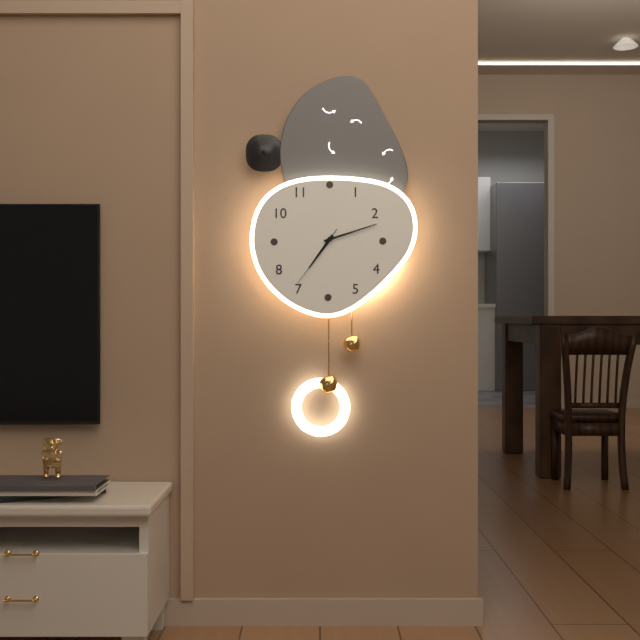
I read 7,12,36
